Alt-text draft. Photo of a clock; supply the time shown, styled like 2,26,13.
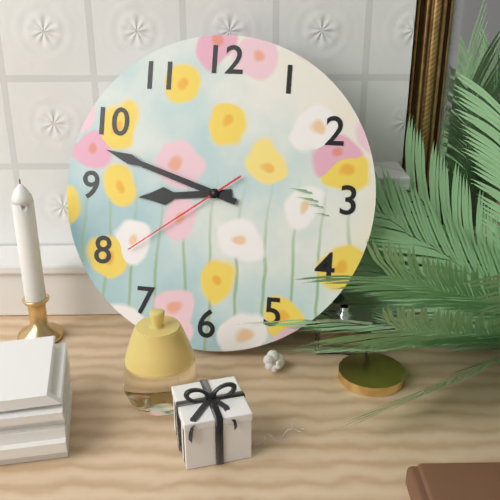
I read 8,48,39
